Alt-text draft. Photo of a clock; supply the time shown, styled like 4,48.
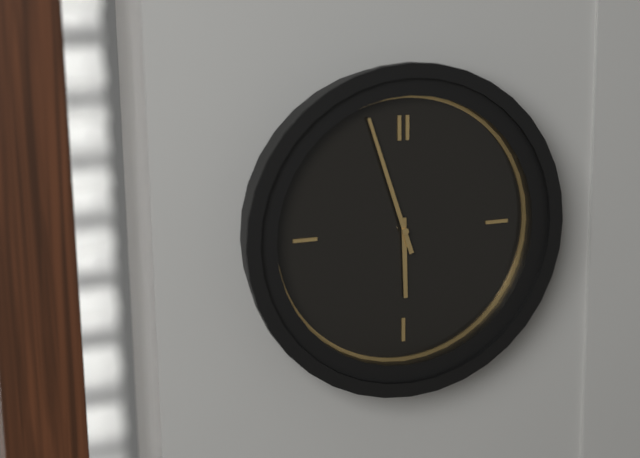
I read 5,57
